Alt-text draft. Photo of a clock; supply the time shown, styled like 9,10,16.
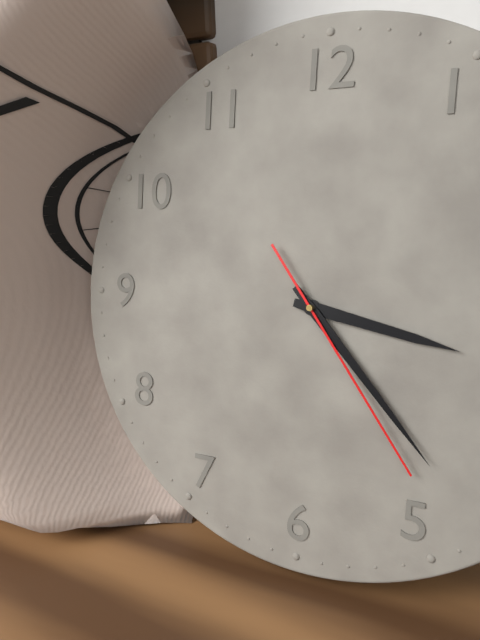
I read 3,23,24
